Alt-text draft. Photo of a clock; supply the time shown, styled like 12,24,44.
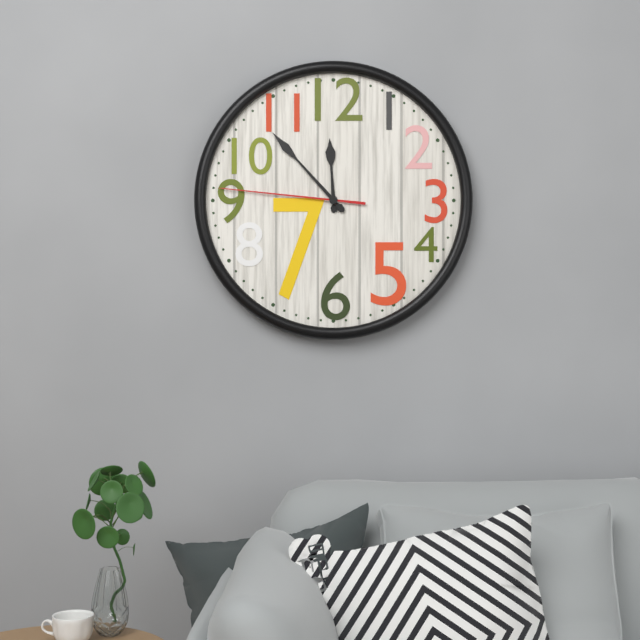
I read 11,53,46
